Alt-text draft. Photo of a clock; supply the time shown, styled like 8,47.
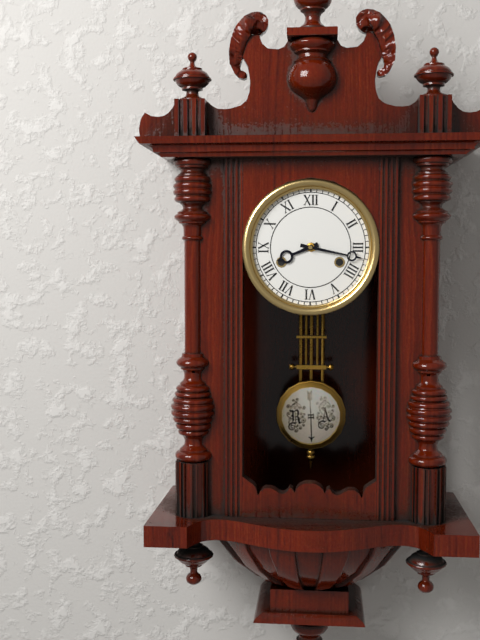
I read 8,17
